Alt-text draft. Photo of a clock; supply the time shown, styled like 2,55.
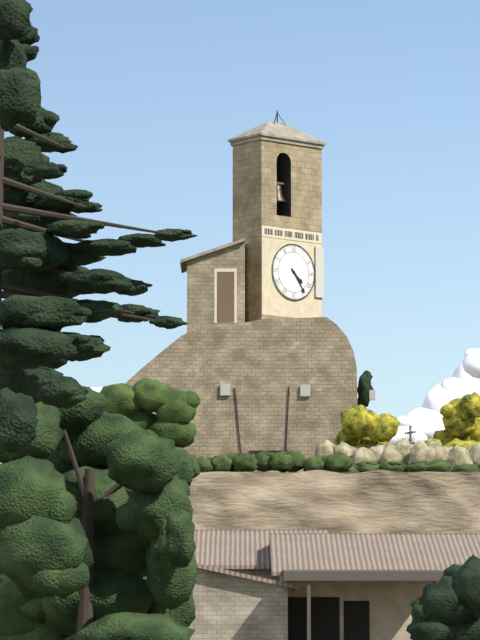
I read 4,24
